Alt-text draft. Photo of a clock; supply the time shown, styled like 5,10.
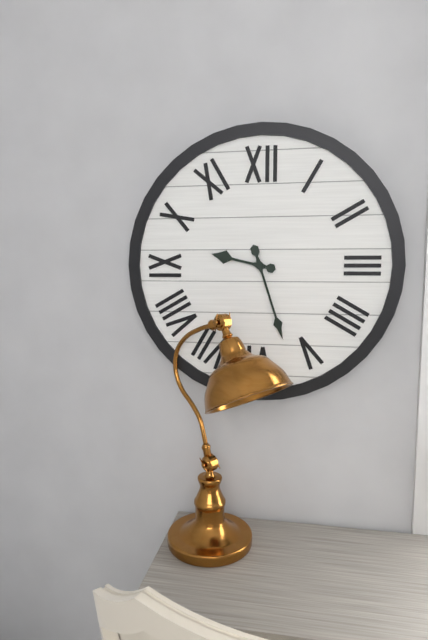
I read 9,27
